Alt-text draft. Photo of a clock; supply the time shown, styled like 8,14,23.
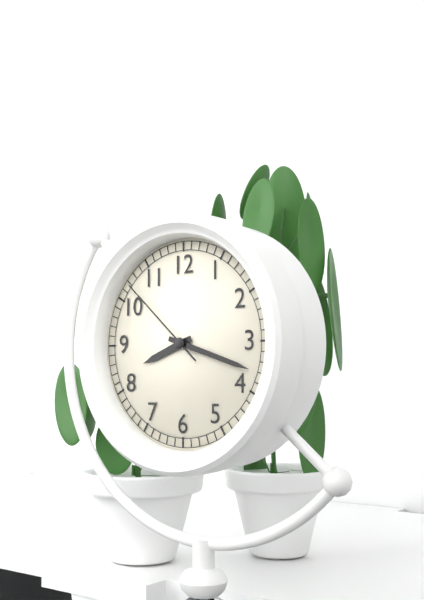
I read 8,18,52
